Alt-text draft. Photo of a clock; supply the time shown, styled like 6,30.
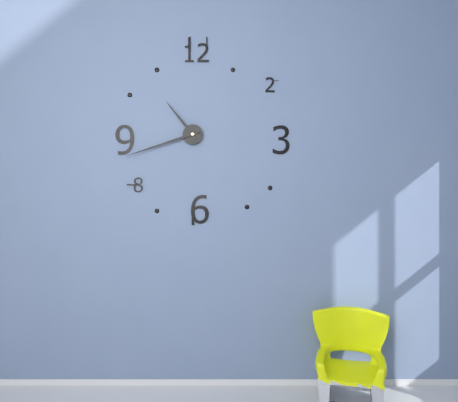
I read 10,42
